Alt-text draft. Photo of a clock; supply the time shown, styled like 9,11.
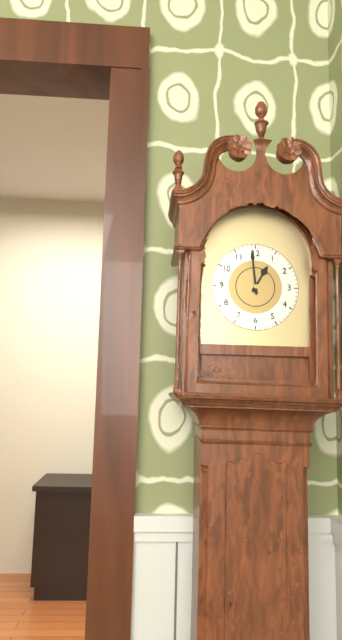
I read 12,59
